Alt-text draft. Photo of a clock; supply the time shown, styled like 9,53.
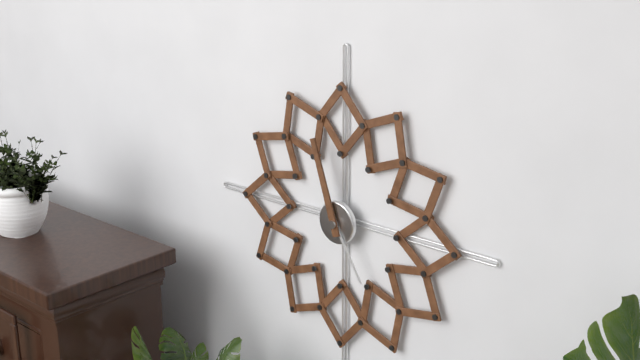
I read 4,57
